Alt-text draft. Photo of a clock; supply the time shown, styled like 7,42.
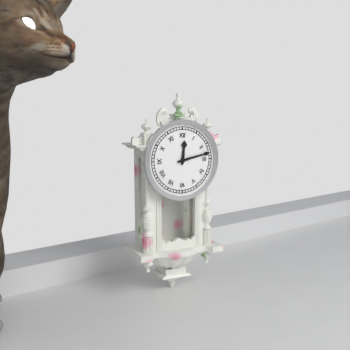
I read 12,13
